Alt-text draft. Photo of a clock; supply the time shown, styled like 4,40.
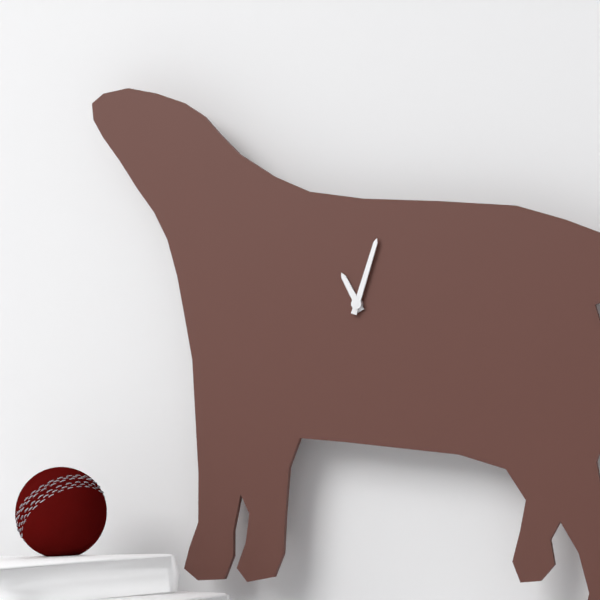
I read 11,03
